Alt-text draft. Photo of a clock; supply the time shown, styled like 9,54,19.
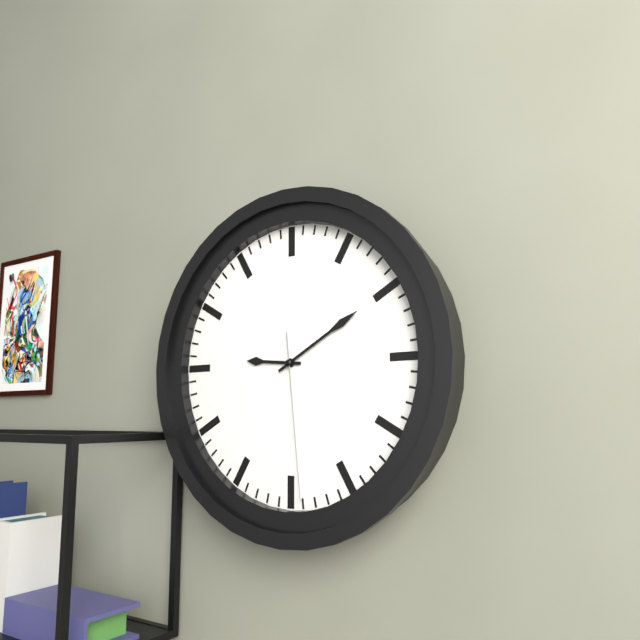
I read 9,10,29
